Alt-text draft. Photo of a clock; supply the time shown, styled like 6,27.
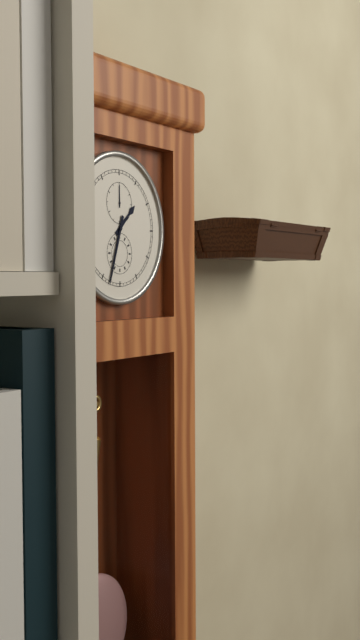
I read 1,33
